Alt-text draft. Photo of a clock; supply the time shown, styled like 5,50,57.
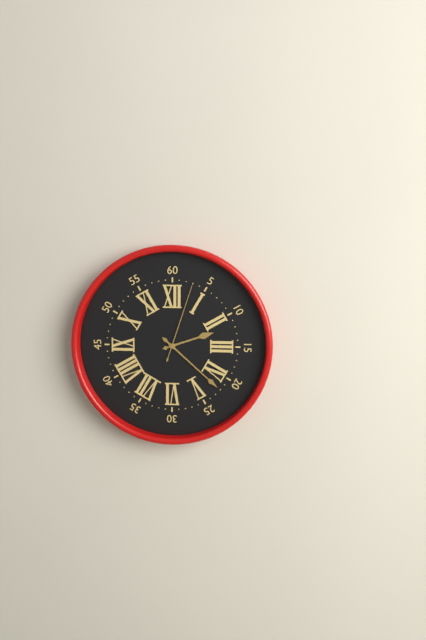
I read 2,22,03
